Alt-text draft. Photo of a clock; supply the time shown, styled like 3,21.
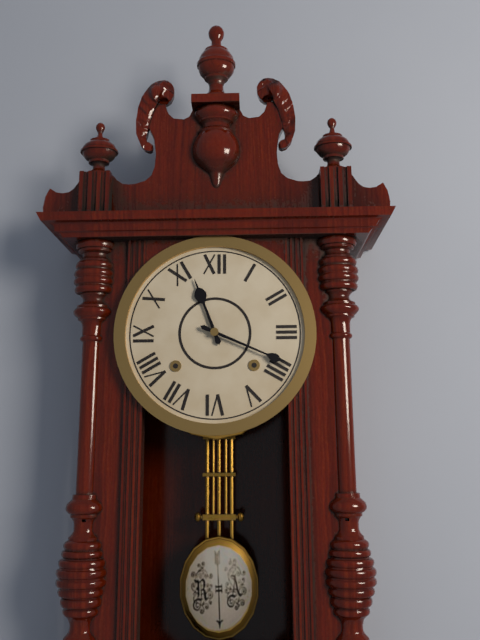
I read 11,19
